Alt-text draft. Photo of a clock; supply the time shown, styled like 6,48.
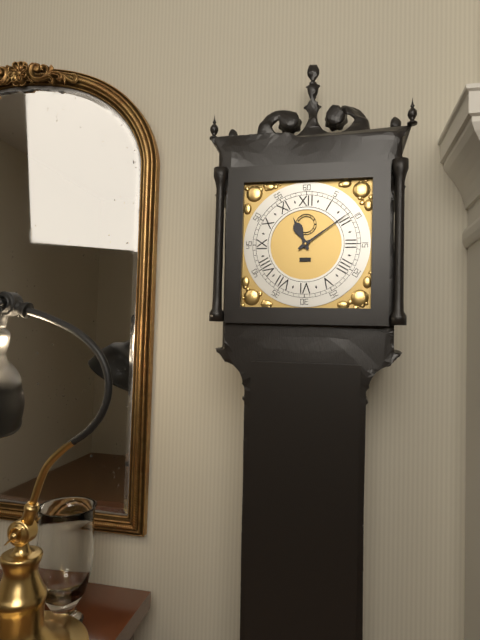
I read 11,09
